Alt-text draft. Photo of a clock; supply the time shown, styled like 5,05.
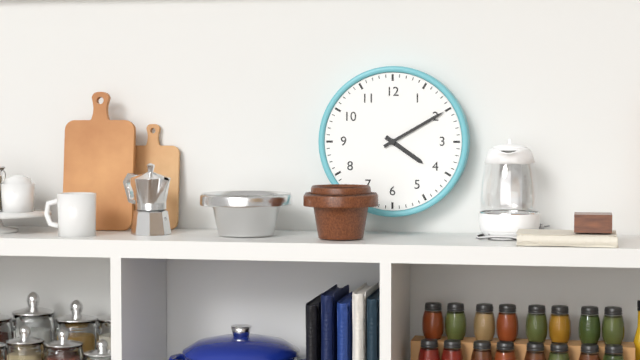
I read 4,10
